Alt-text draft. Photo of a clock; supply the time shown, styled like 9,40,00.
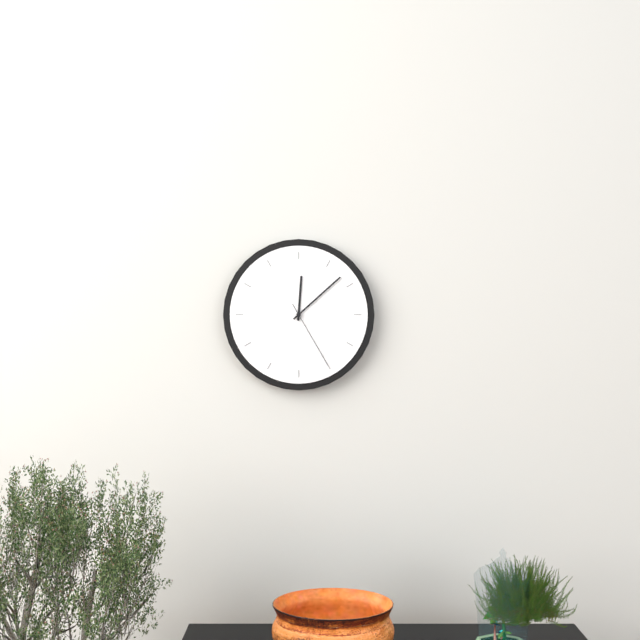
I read 12,08,25
